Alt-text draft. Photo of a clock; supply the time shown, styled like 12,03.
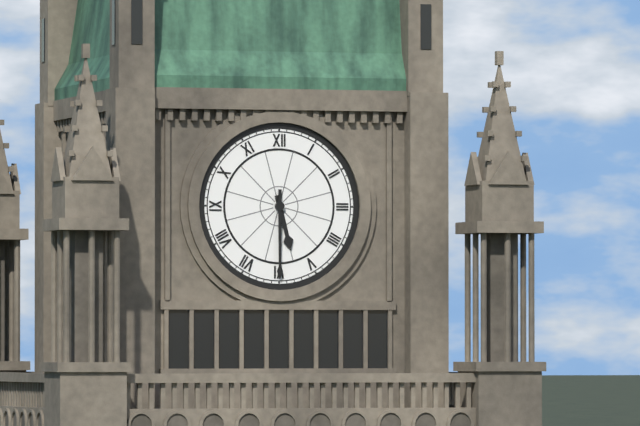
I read 5,30
